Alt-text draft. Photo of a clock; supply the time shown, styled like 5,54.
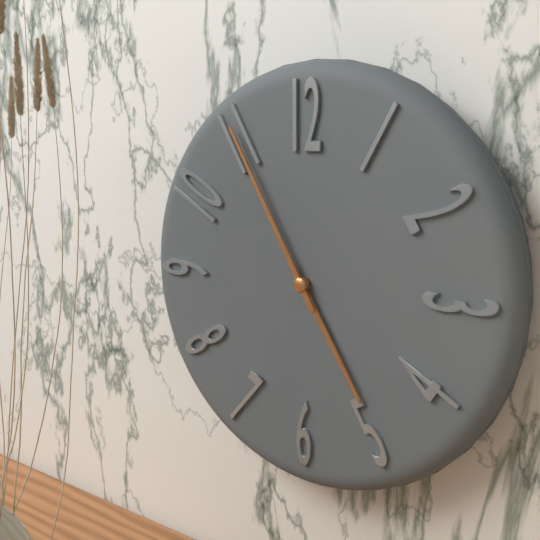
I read 4,55
